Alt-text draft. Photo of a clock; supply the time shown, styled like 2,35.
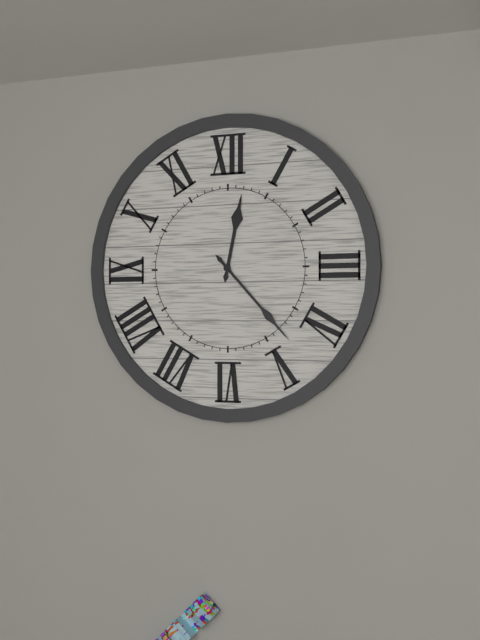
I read 12,23
